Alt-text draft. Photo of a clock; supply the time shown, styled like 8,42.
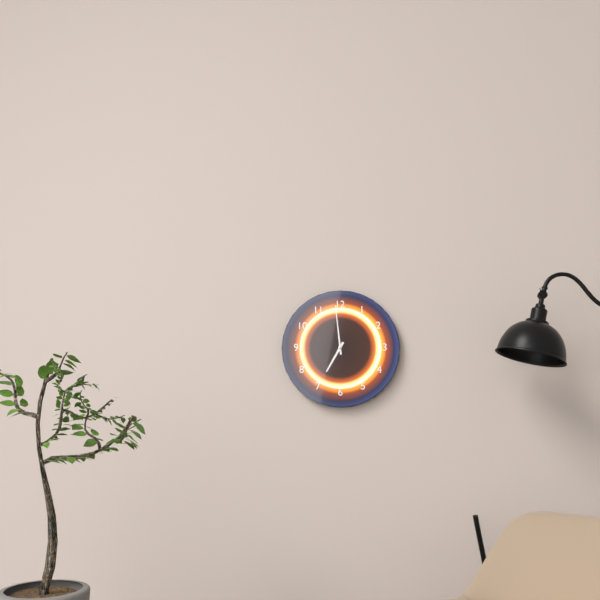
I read 6,59
